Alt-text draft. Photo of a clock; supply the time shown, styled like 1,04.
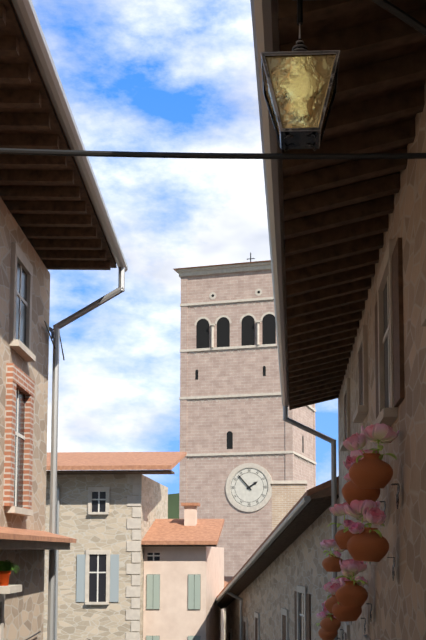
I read 1,53
